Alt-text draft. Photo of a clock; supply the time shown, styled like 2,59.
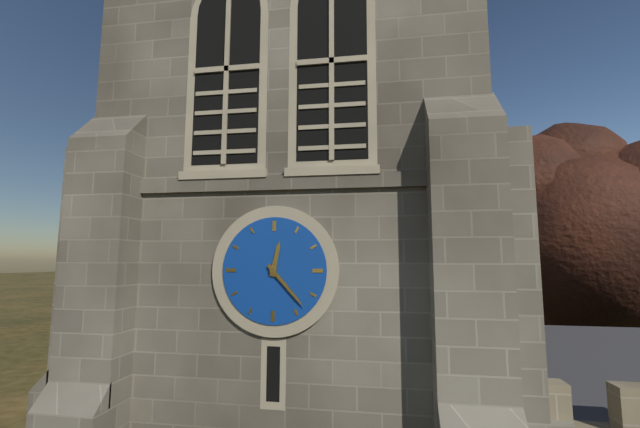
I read 12,23
